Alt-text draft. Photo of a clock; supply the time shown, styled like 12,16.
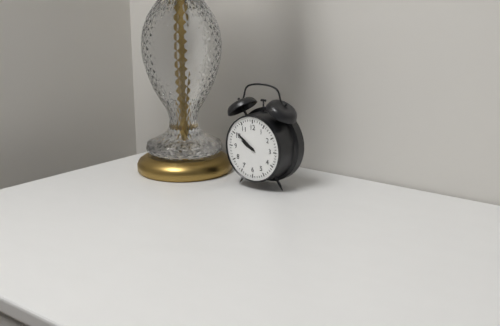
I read 9,51
